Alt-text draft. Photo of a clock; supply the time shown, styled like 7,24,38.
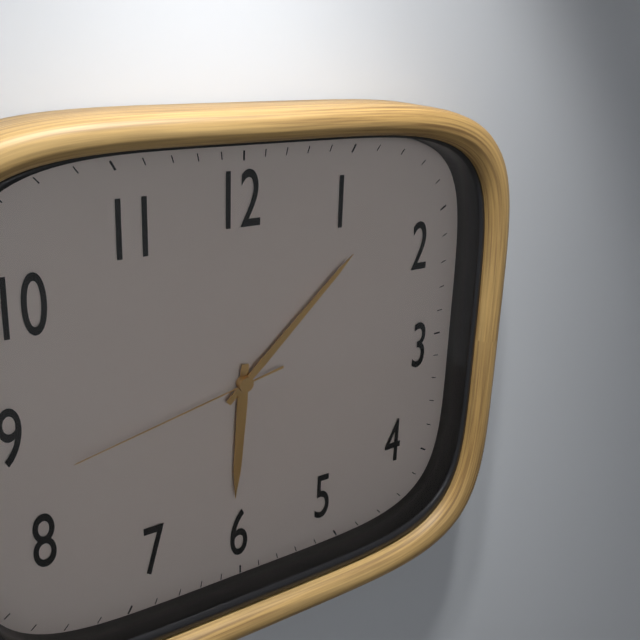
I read 6,08,43
